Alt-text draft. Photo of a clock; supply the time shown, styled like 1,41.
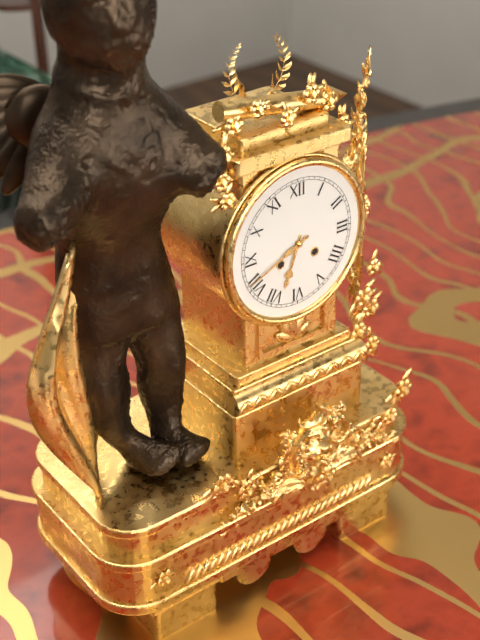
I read 6,41
